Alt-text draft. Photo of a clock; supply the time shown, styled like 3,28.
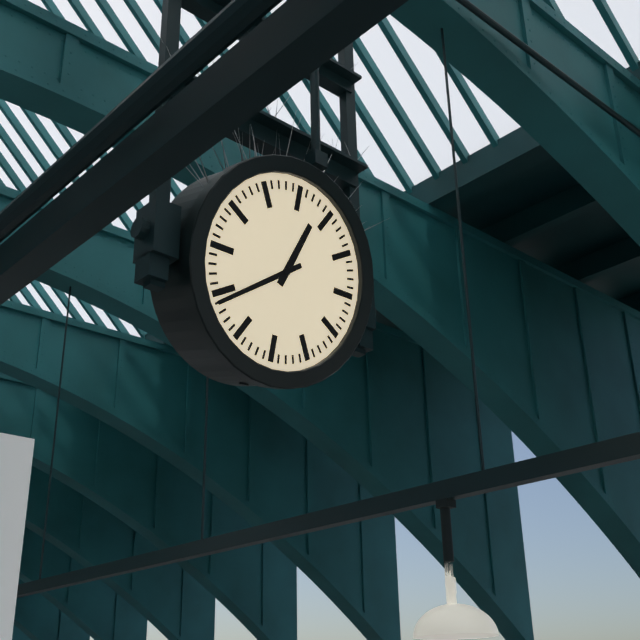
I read 12,39
